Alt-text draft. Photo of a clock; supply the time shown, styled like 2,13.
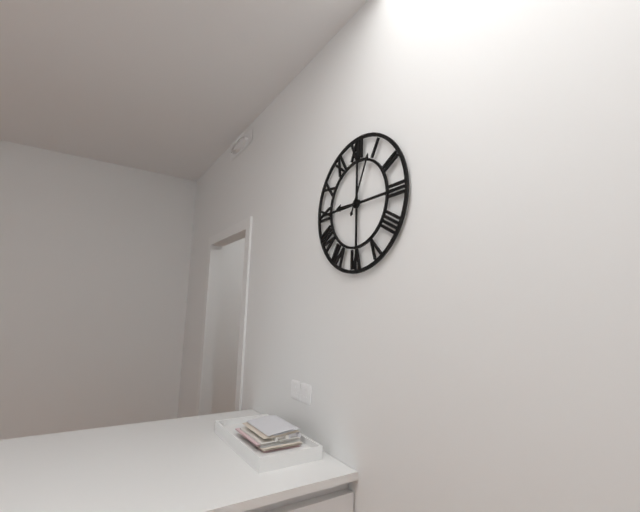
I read 9,04
